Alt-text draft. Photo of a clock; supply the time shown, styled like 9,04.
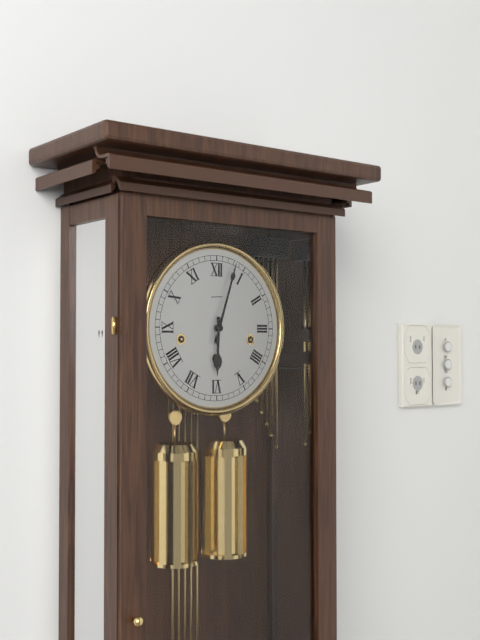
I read 6,03
